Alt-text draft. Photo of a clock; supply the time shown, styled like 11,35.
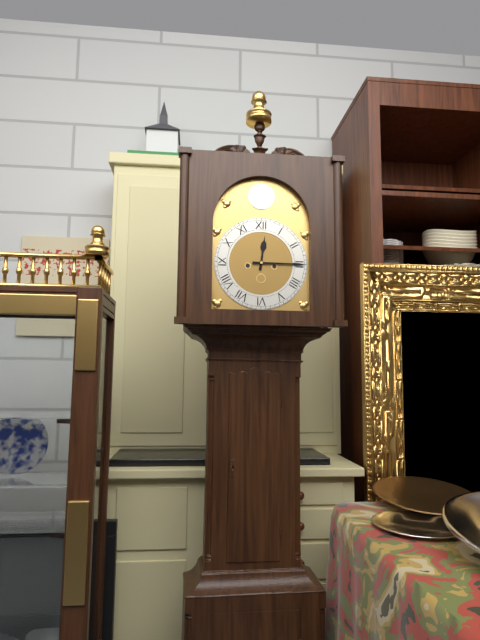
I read 12,15
